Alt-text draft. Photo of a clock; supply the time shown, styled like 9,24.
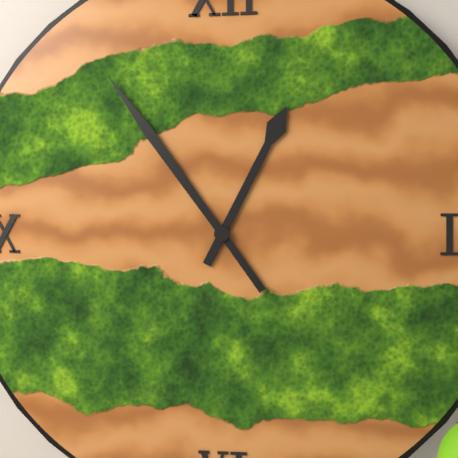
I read 12,54
